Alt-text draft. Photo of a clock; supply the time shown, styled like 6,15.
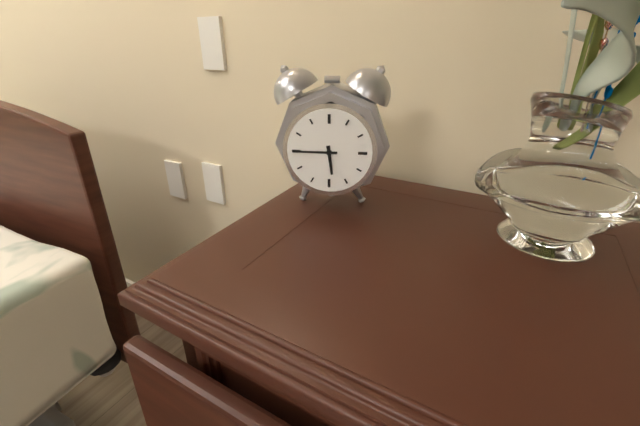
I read 5,45
